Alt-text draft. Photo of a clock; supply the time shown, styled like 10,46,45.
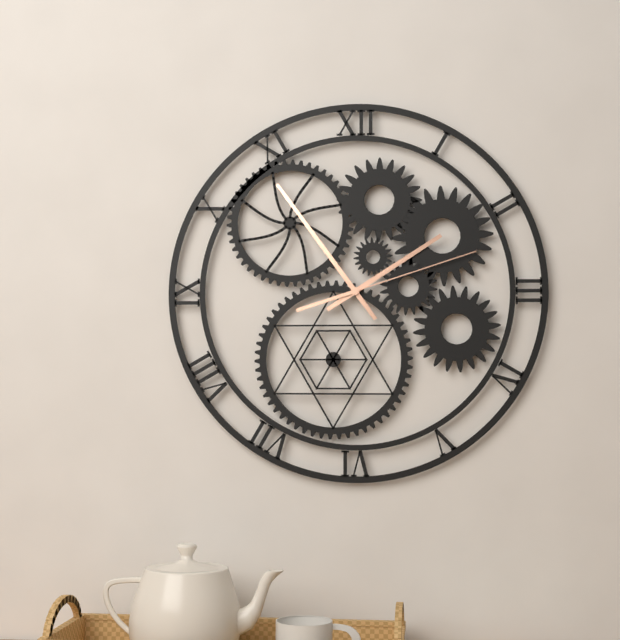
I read 1,54,12
